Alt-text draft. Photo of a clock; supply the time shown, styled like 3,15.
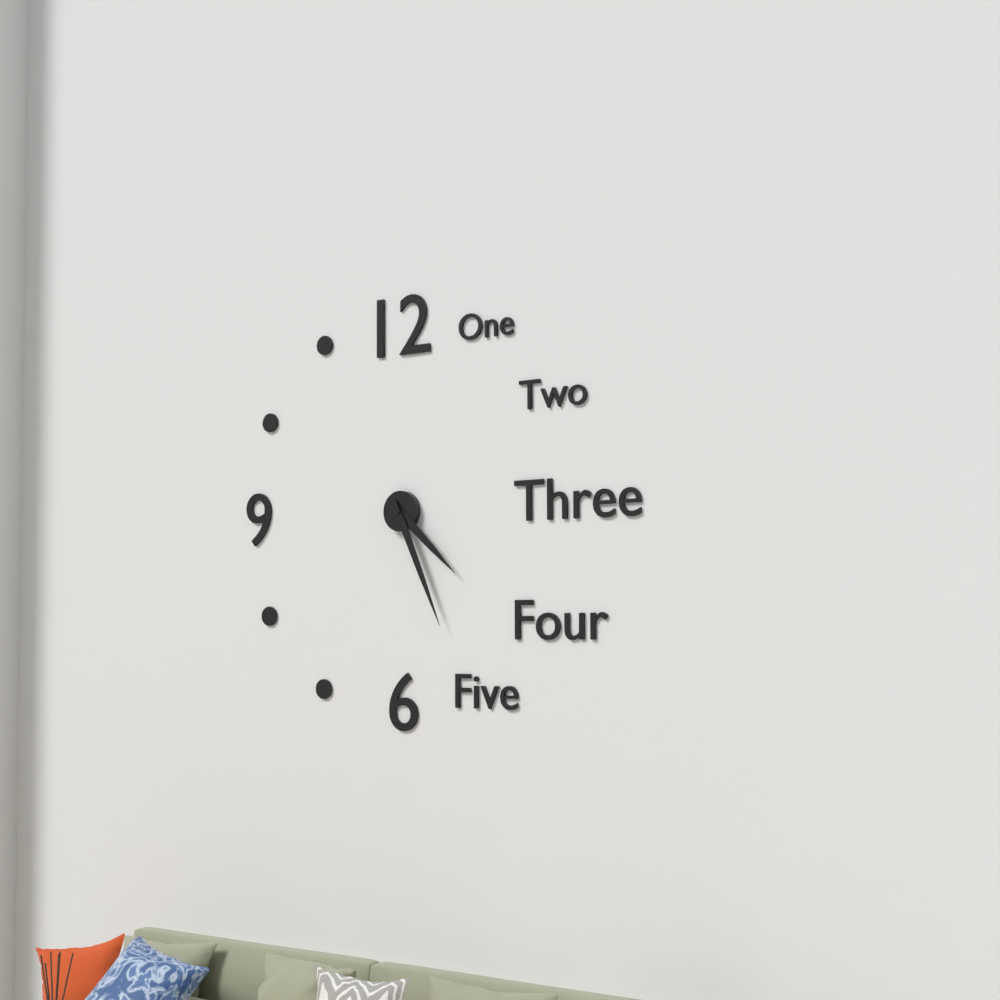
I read 4,26
